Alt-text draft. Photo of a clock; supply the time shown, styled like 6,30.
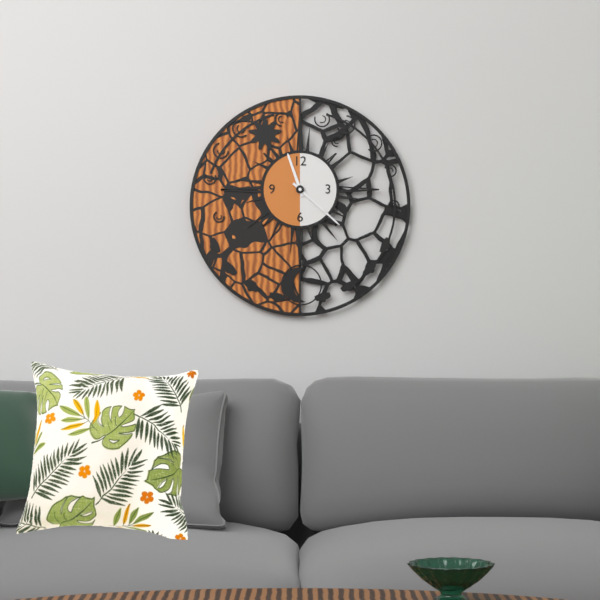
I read 11,22
